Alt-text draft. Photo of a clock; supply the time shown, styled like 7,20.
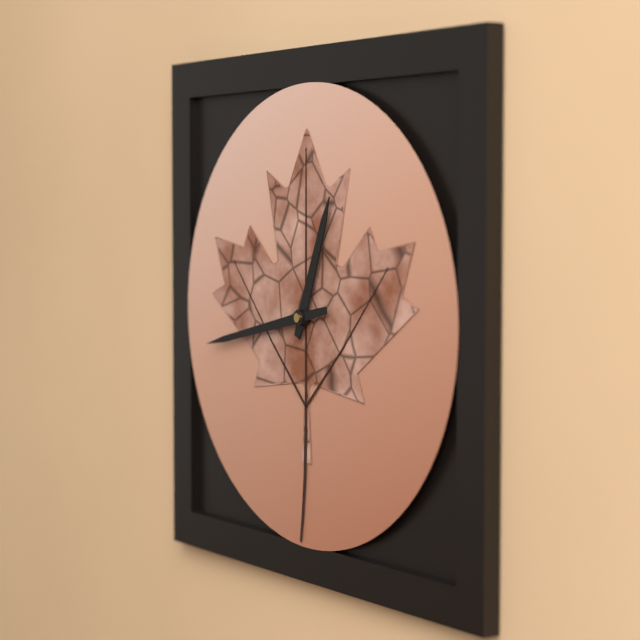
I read 12,43
